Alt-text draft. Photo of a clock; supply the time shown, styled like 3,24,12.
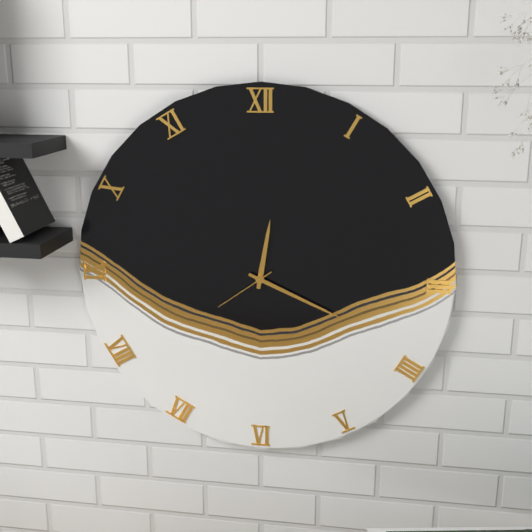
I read 12,19,39
